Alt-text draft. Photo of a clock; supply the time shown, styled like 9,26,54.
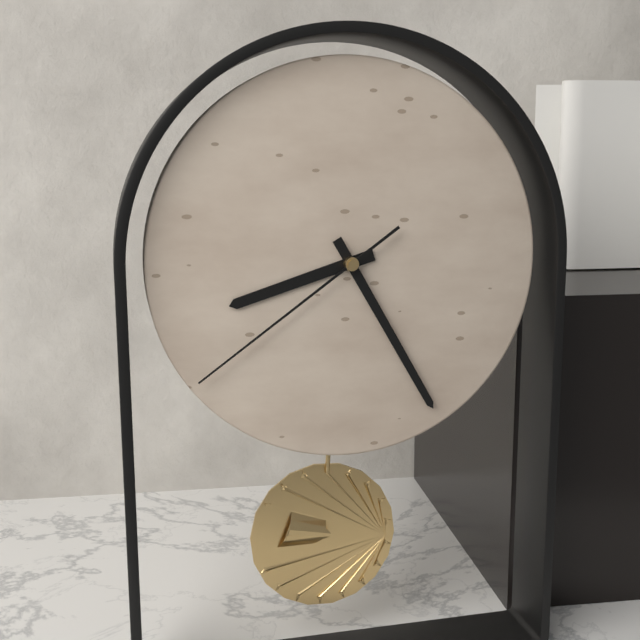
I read 8,25,39
